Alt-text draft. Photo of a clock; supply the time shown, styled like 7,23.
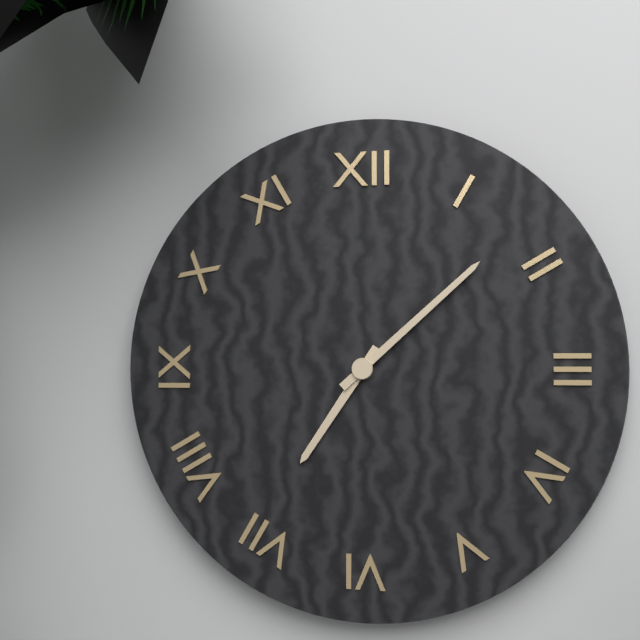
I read 7,08
